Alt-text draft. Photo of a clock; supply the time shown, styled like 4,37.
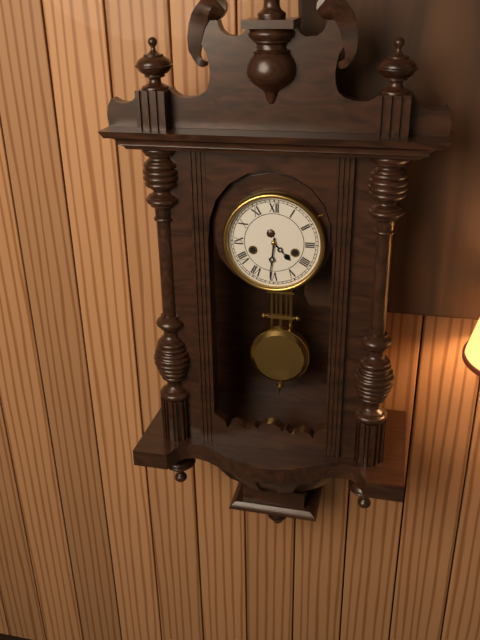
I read 4,31
